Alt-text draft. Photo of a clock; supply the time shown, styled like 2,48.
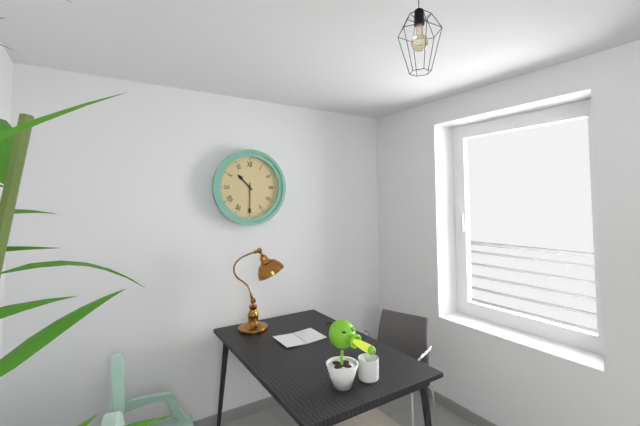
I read 10,30
